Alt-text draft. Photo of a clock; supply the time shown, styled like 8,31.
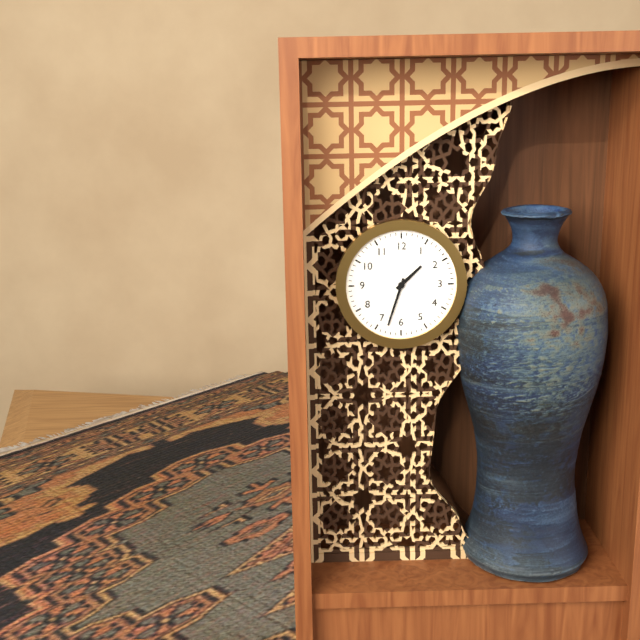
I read 1,33
